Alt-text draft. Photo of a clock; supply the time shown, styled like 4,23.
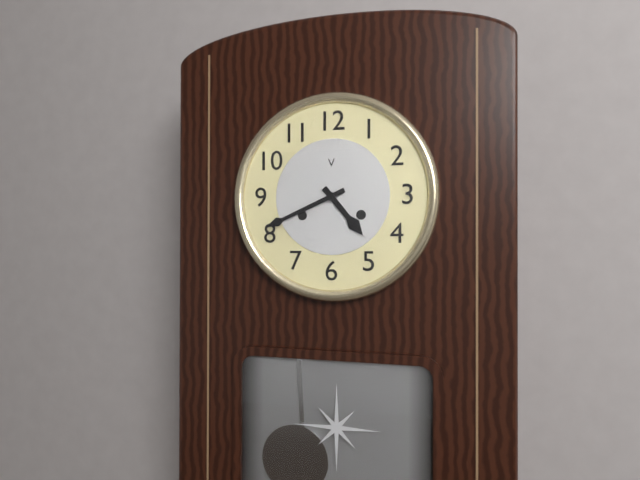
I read 4,41
